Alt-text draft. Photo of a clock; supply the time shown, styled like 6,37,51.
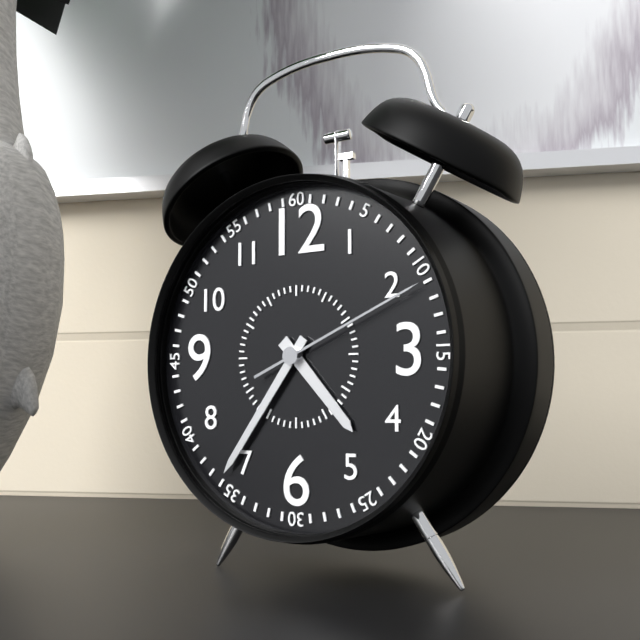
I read 4,36,11
